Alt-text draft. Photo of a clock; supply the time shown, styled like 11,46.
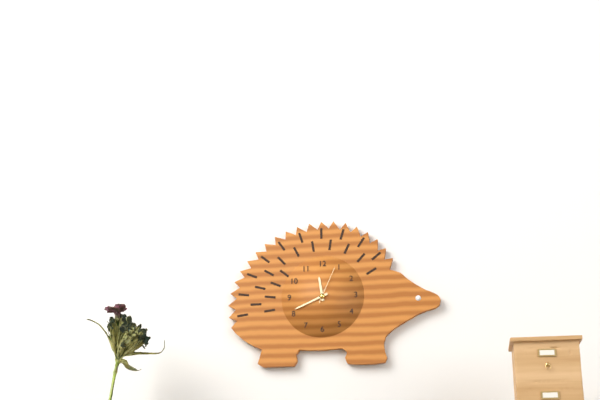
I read 11,41
